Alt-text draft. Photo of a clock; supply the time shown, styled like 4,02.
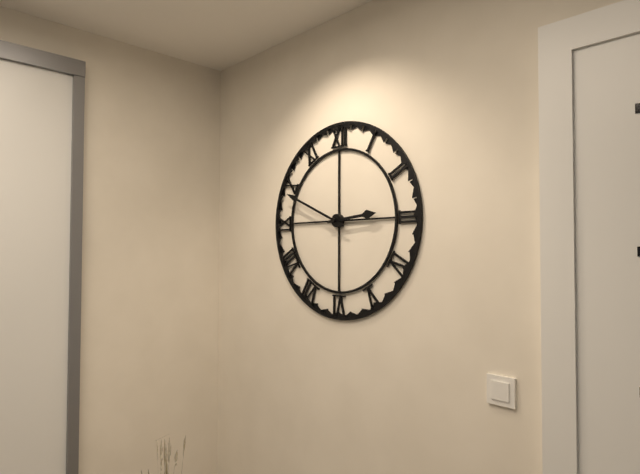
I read 2,49
